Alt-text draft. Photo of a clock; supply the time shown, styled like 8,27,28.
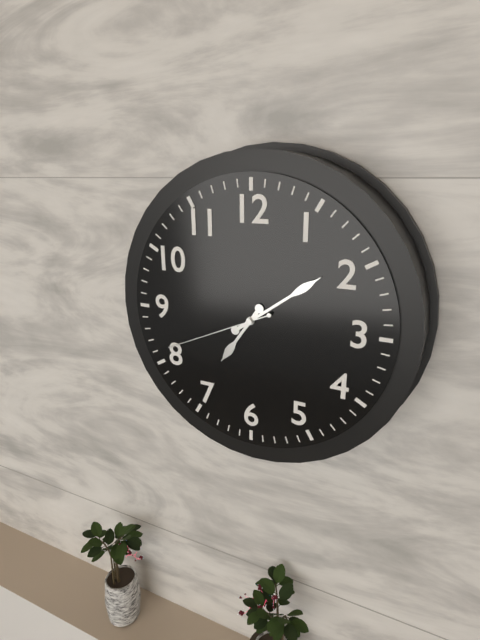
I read 7,09,41
